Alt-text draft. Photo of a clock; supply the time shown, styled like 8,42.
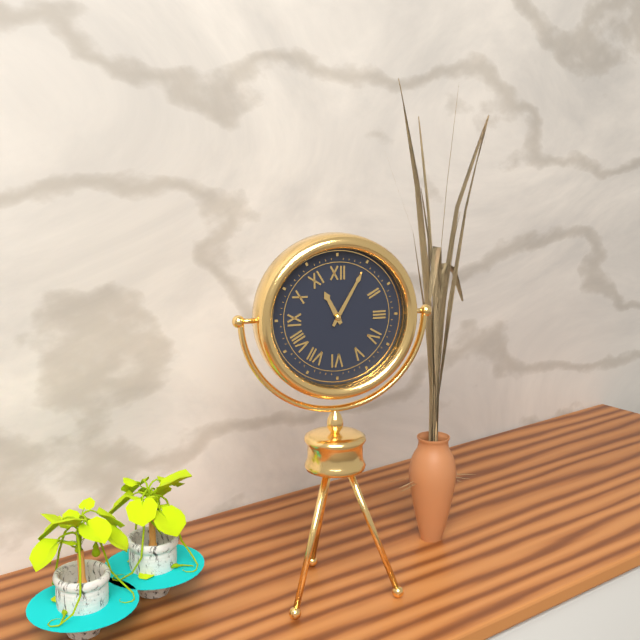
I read 11,05
